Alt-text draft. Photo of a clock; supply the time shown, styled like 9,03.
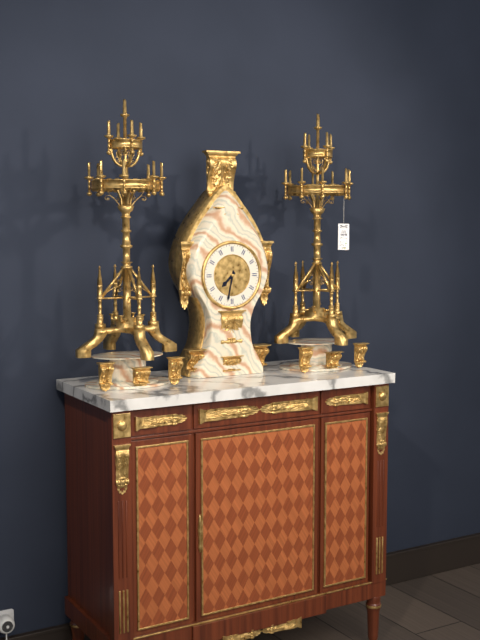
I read 7,32
